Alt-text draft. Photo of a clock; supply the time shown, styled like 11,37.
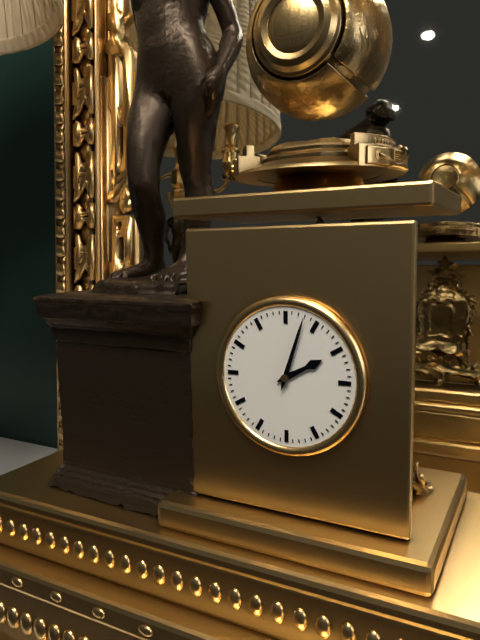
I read 2,03
